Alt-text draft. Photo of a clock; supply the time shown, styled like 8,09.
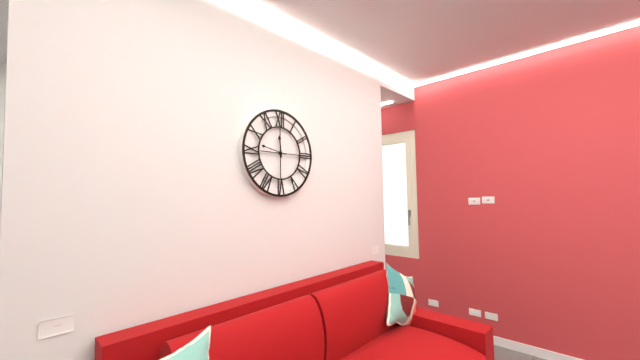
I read 11,47
